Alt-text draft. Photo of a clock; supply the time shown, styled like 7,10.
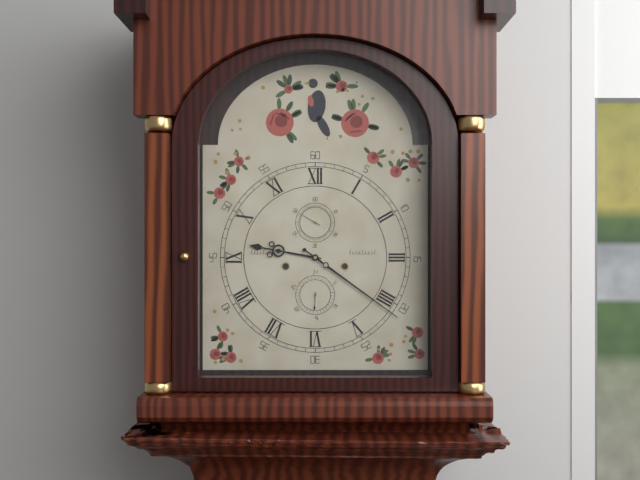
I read 9,21
